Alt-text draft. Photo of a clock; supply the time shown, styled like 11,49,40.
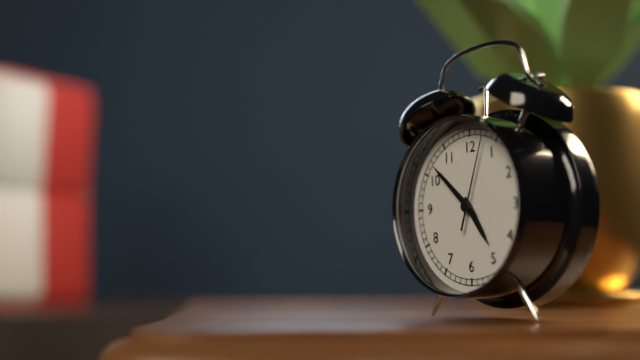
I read 4,52,03
